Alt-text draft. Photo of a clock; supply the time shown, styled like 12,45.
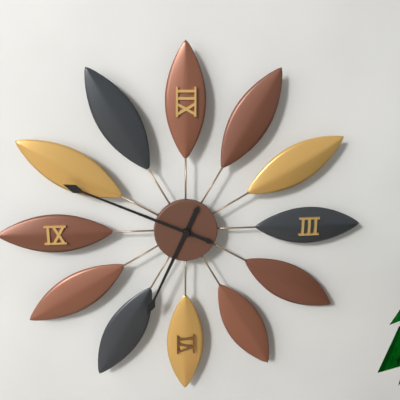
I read 6,49
